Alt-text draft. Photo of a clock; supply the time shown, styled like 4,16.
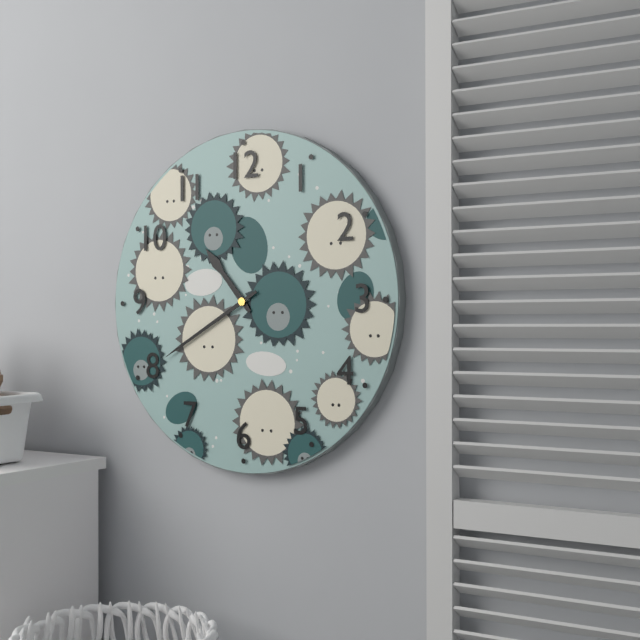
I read 10,40
